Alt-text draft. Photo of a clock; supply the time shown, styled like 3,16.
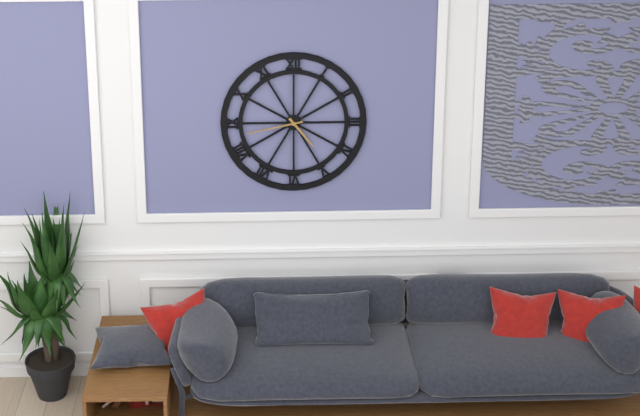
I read 4,43
